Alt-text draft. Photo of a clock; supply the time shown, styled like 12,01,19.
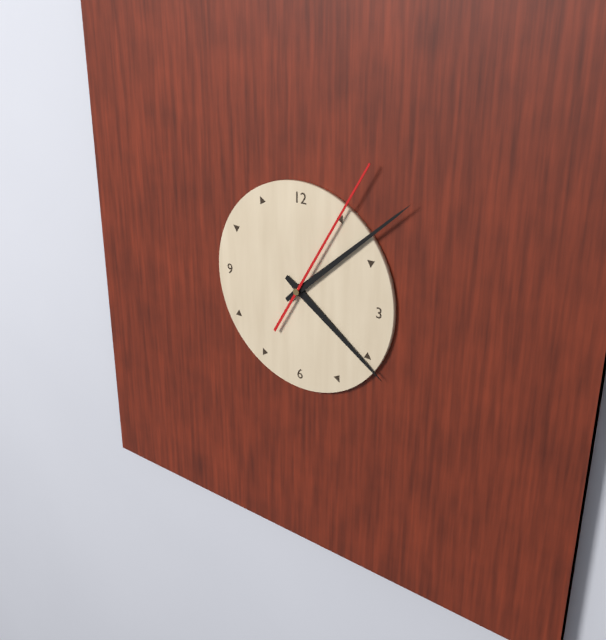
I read 4,08,05
